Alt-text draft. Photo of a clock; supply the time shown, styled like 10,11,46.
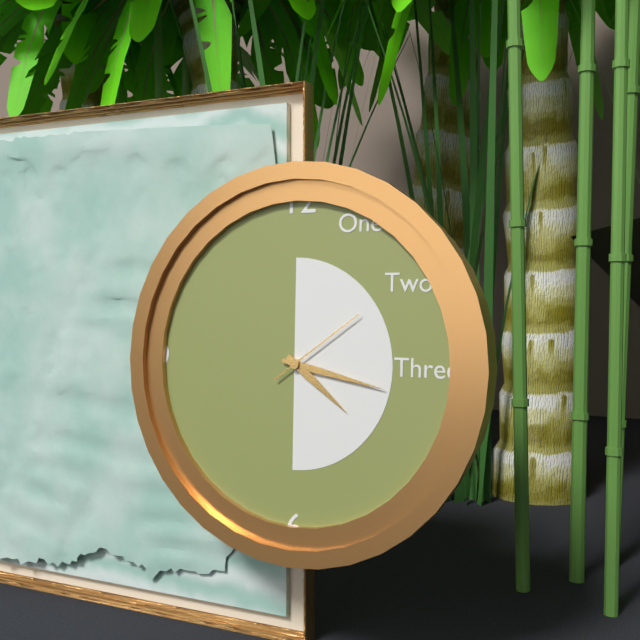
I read 4,17,09
